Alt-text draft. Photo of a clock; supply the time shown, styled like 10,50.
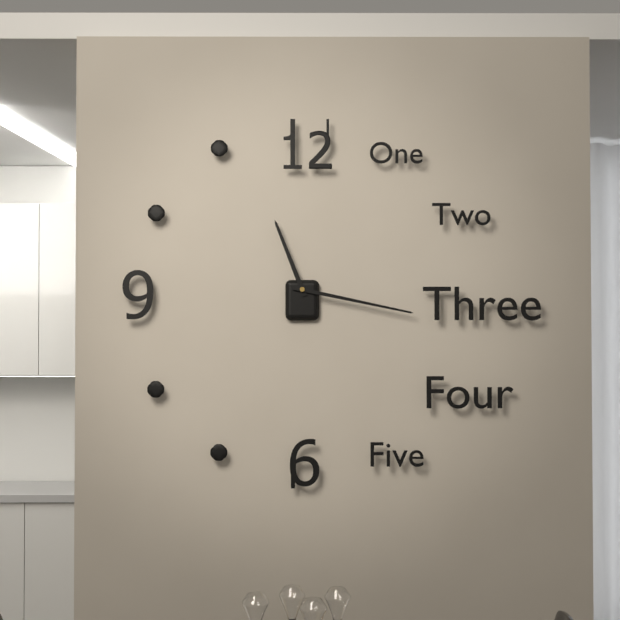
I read 11,17
